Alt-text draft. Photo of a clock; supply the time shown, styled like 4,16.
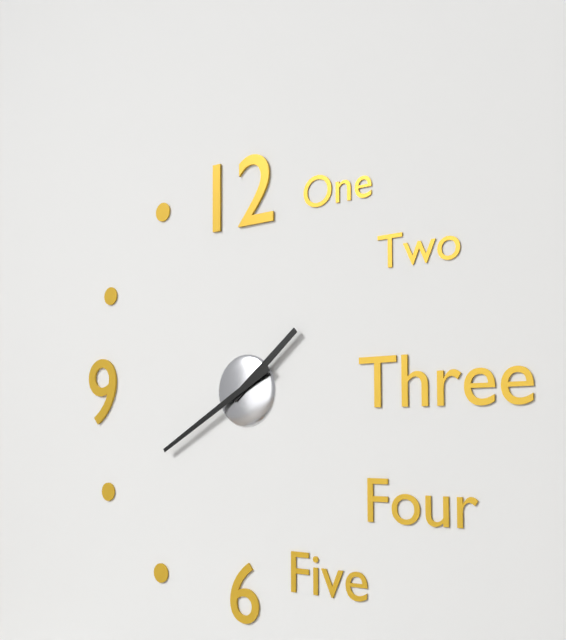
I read 1,40
